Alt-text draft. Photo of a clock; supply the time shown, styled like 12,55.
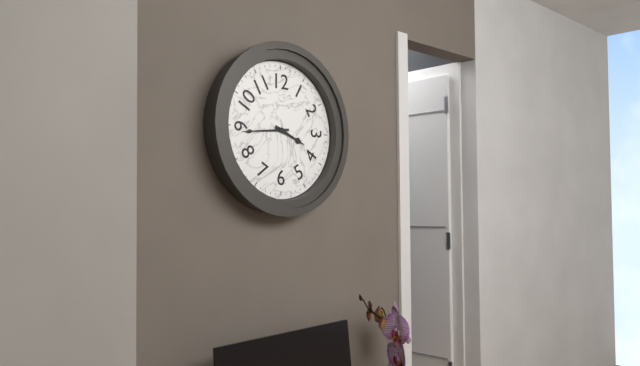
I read 3,44
